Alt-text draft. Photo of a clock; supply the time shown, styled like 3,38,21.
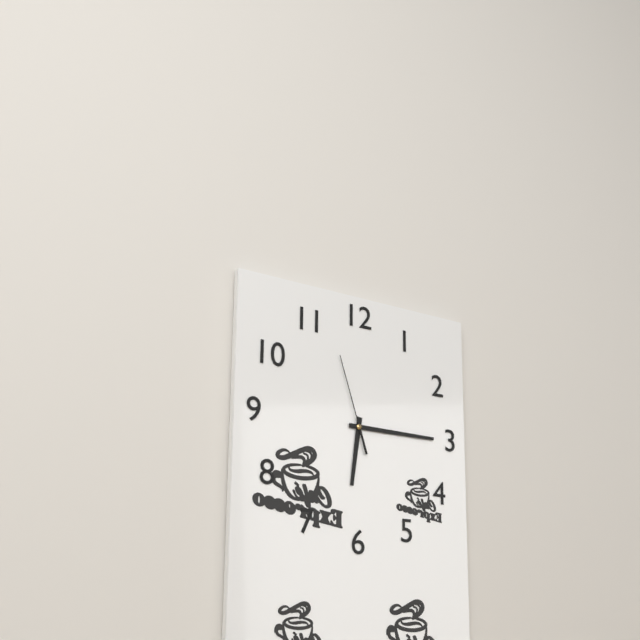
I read 6,15,57
